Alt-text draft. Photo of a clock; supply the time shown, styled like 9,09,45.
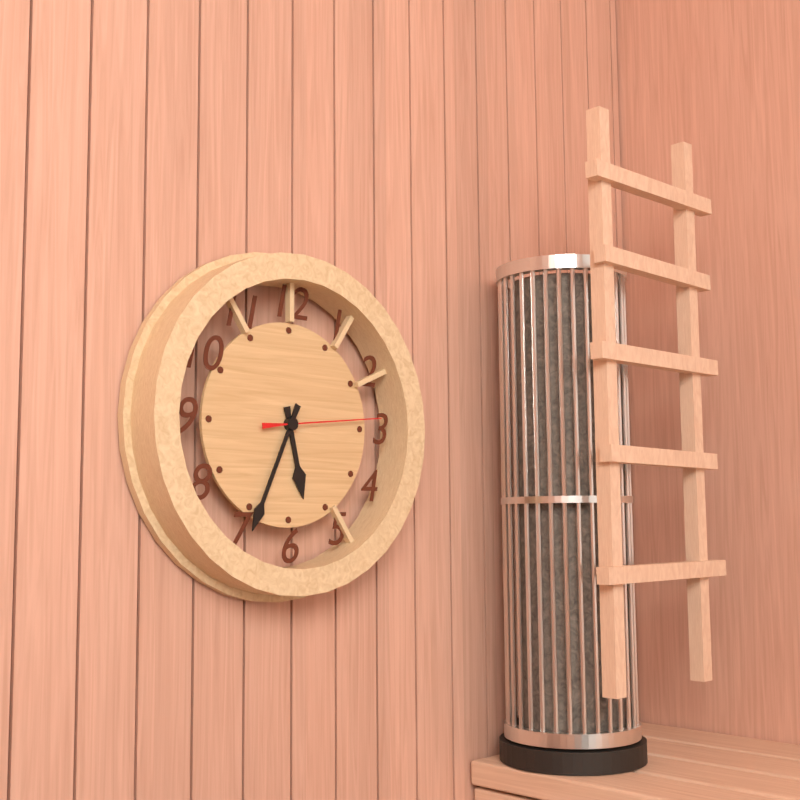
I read 5,34,14
